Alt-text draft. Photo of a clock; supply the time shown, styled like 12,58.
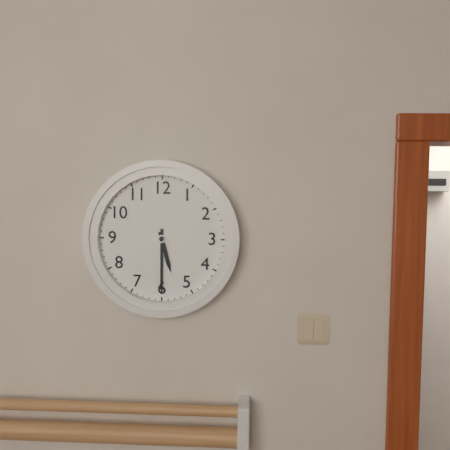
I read 5,30
